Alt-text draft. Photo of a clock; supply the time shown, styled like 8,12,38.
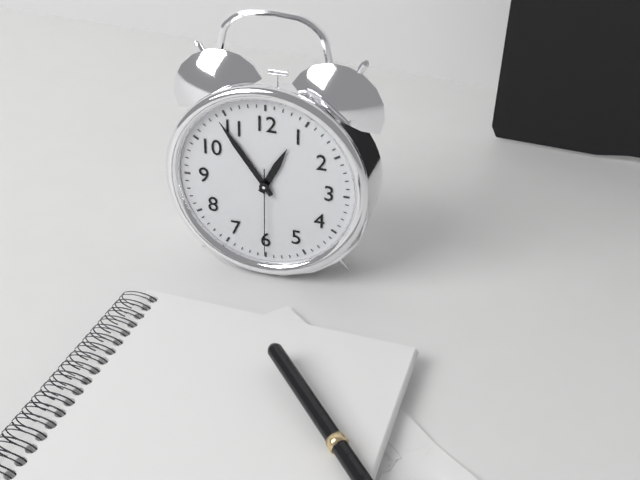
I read 12,54,30
